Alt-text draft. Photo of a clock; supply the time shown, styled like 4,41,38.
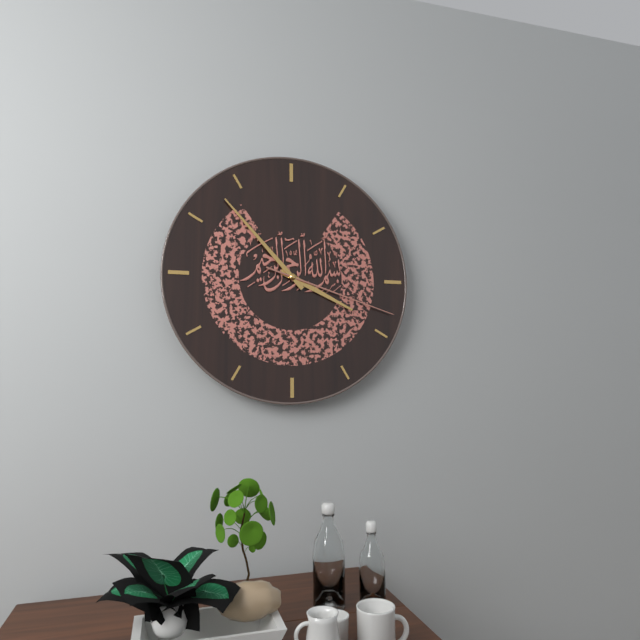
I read 3,53,18
